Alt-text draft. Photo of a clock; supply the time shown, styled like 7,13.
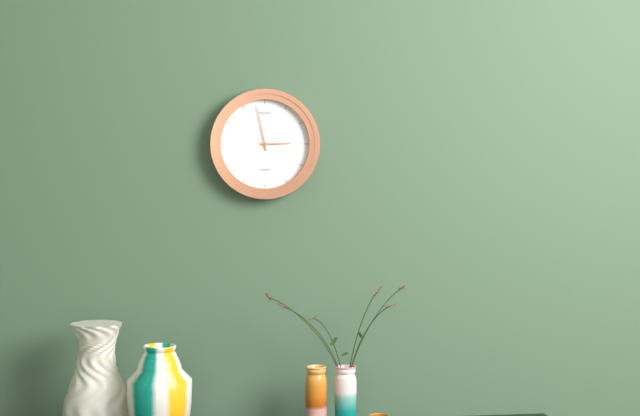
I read 2,58
